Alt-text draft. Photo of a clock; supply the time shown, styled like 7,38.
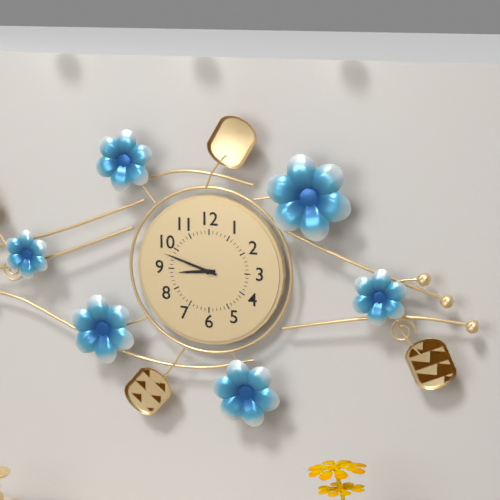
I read 8,48
